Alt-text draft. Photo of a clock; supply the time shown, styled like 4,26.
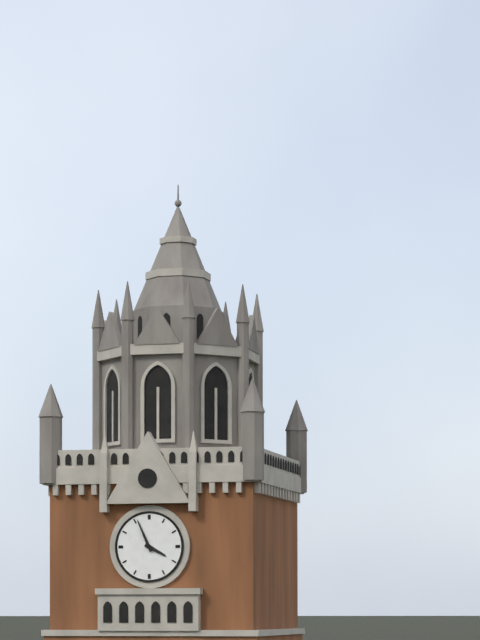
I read 3,56
